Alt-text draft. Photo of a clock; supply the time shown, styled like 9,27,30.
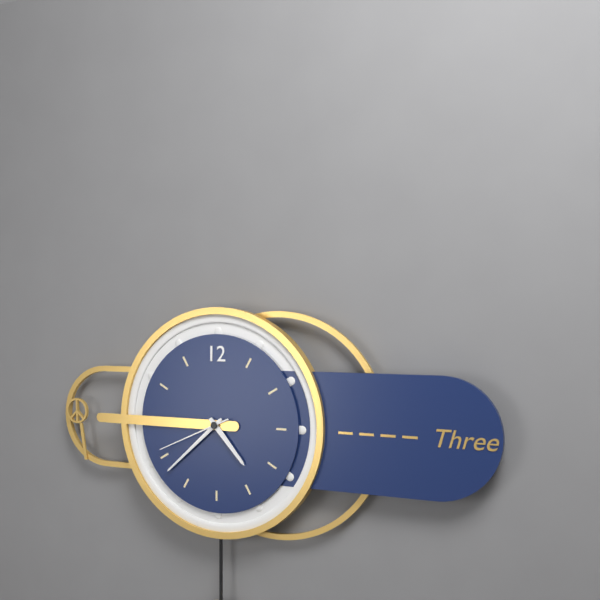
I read 4,38,41
